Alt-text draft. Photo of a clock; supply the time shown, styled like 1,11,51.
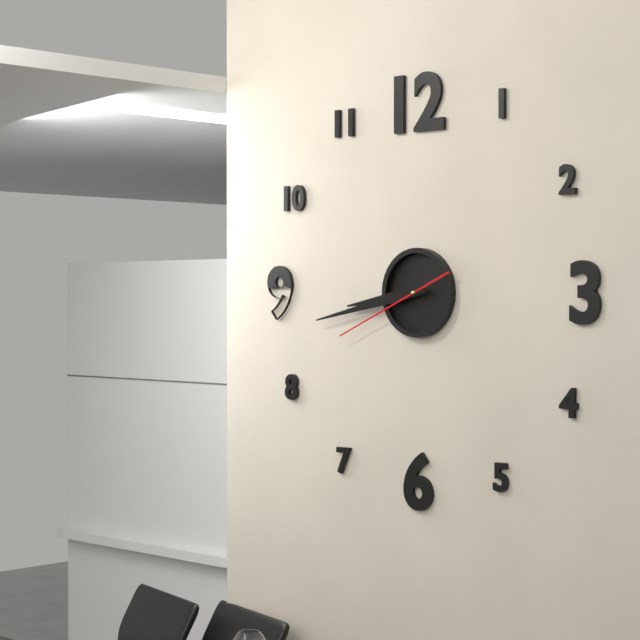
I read 8,43,41
